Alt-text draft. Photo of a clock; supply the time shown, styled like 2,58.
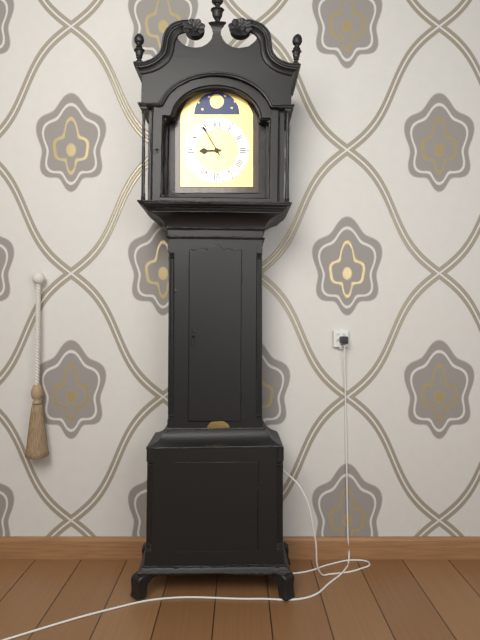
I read 8,55
